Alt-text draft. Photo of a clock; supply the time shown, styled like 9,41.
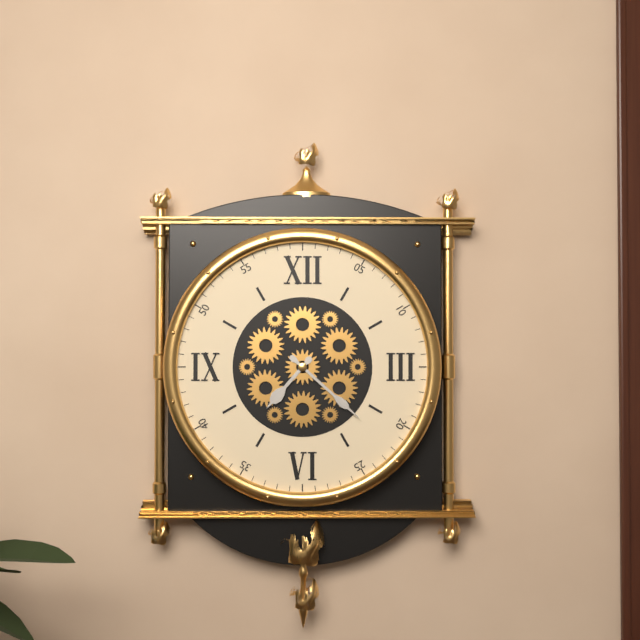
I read 7,22
